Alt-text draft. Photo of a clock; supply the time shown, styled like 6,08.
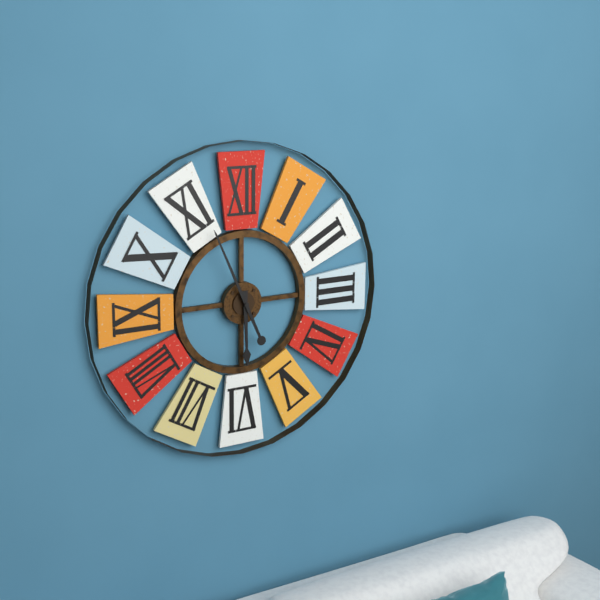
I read 5,56
